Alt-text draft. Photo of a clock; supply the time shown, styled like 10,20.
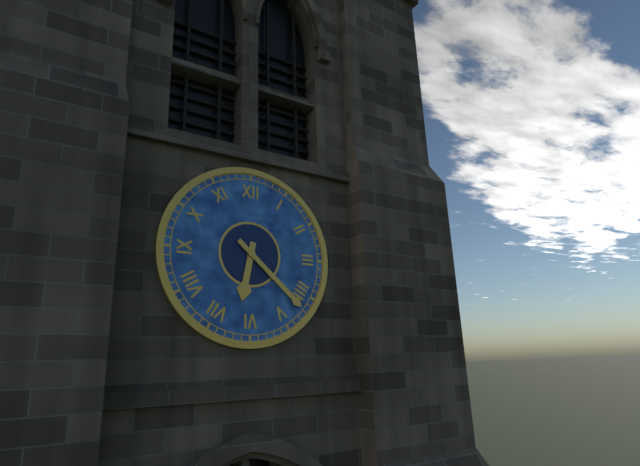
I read 6,22
